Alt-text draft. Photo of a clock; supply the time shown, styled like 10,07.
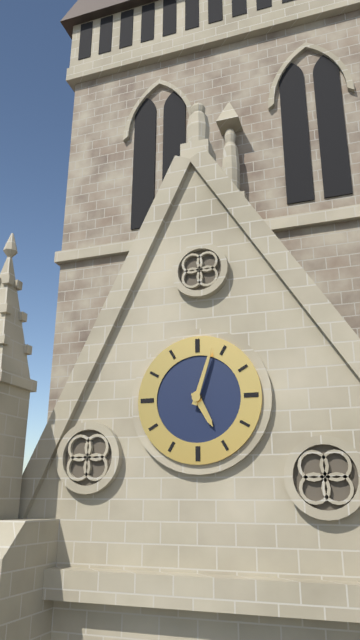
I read 5,03
